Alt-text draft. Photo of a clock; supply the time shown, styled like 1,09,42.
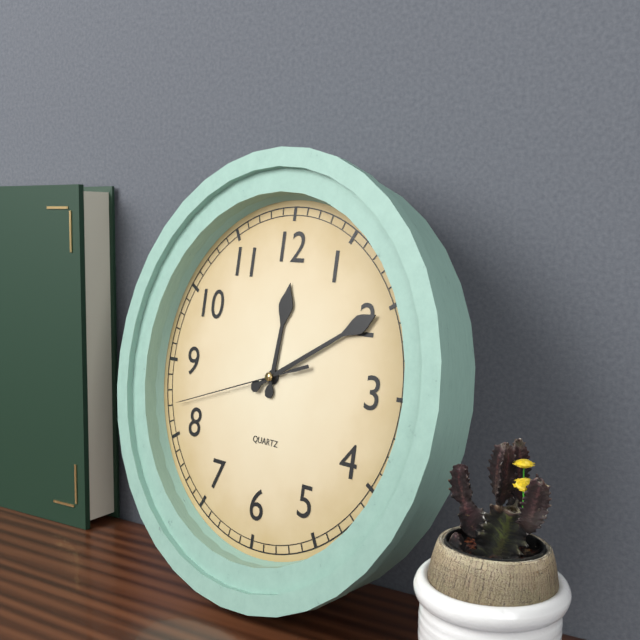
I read 12,10,42
